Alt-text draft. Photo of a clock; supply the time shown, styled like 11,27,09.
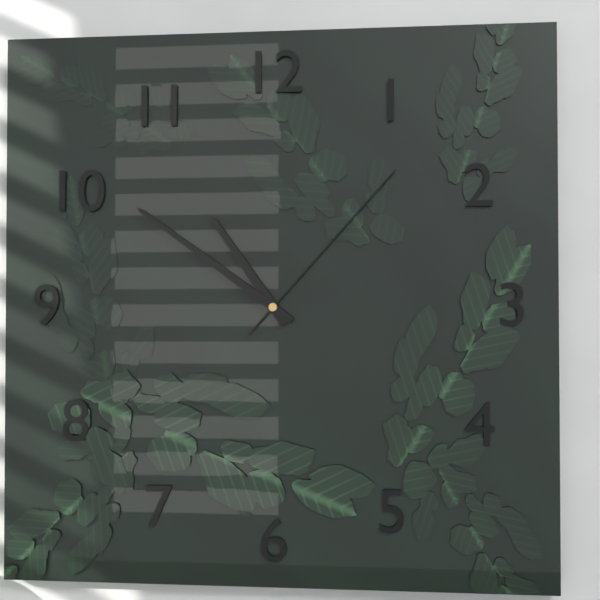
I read 10,51,07
